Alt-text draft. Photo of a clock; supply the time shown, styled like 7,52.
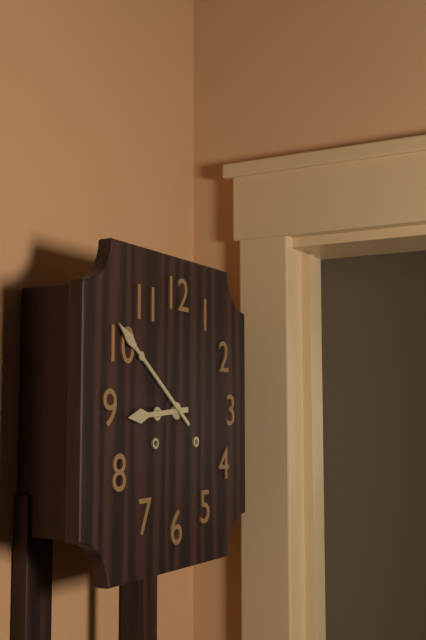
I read 8,51
